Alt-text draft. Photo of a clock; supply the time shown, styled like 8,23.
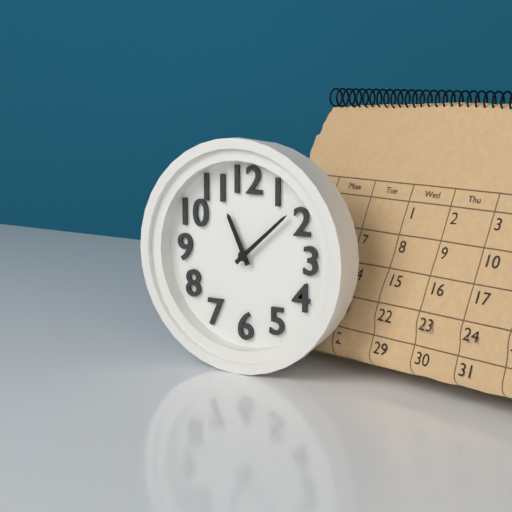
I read 11,08
